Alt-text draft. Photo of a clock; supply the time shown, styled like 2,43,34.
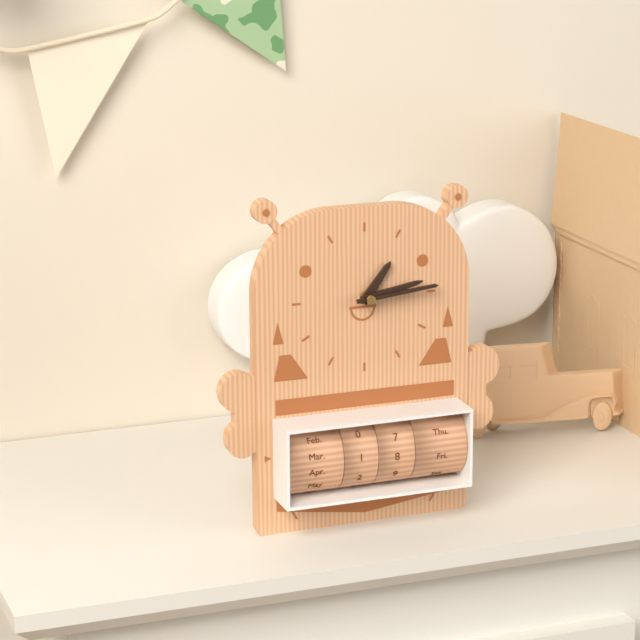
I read 1,13,14
